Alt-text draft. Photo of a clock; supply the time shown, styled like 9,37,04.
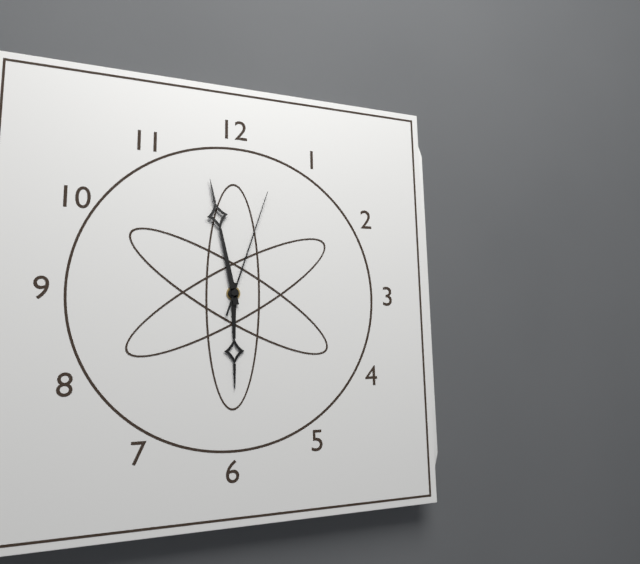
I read 5,58,03
